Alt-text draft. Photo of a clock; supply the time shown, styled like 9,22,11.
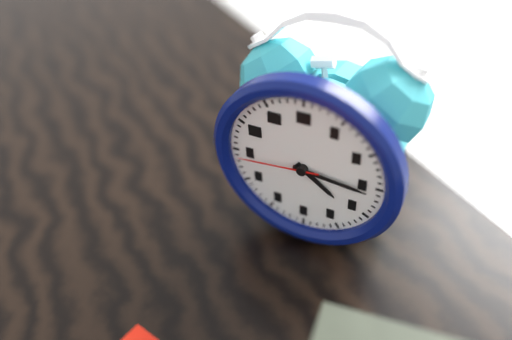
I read 4,16,44
